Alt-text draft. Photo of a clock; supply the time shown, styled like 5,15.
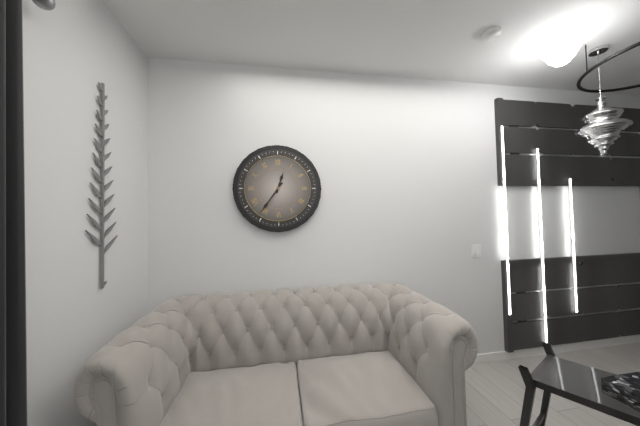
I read 12,36
